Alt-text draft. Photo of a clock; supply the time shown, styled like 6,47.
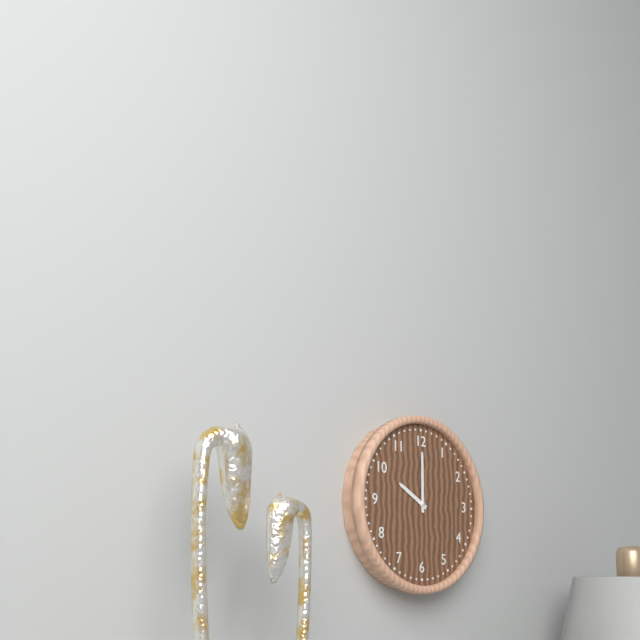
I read 10,00
